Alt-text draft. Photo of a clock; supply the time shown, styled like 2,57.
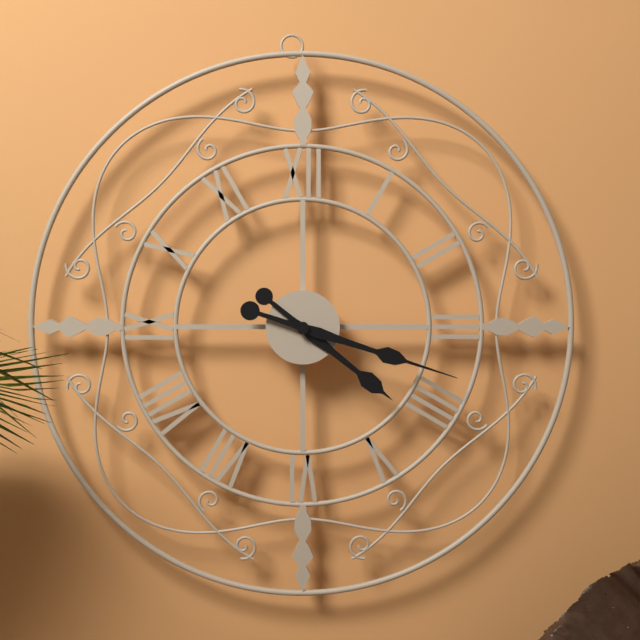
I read 4,18
